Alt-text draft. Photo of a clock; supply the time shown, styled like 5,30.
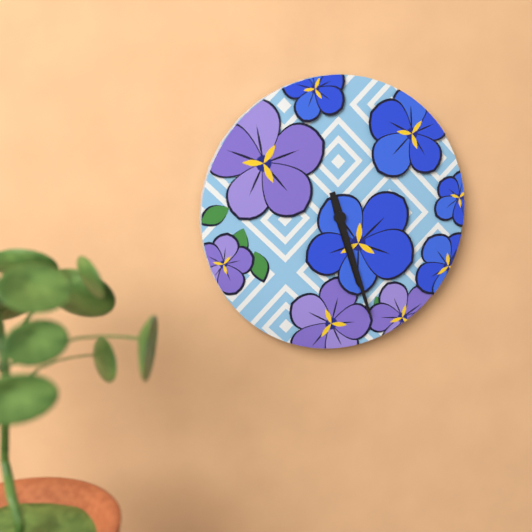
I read 5,27
